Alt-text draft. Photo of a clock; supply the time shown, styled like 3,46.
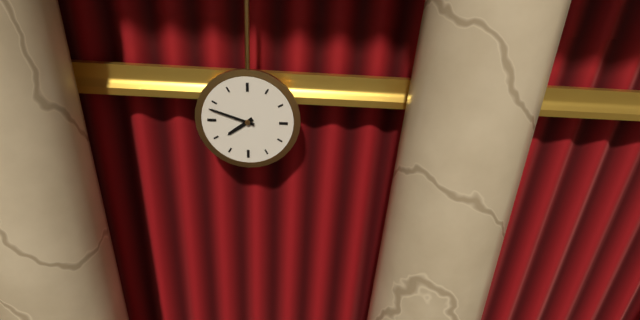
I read 7,48
